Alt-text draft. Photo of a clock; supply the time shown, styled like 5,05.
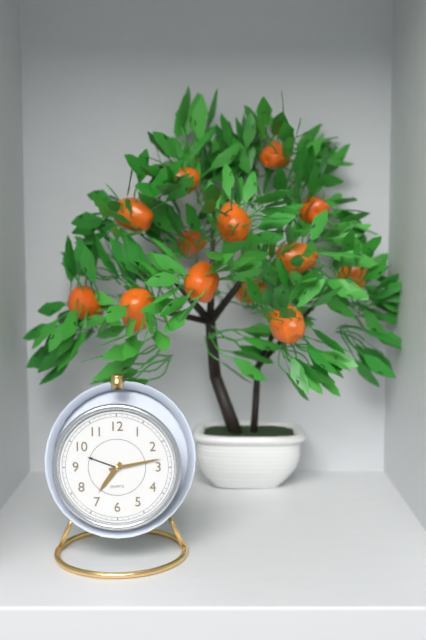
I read 7,13
